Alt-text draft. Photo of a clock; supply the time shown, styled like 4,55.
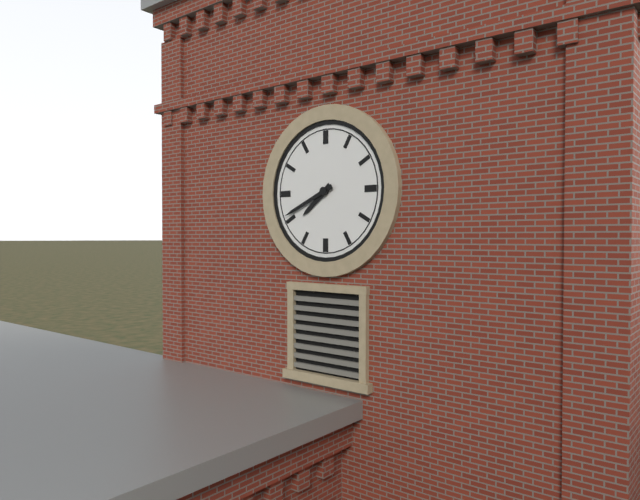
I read 7,41
